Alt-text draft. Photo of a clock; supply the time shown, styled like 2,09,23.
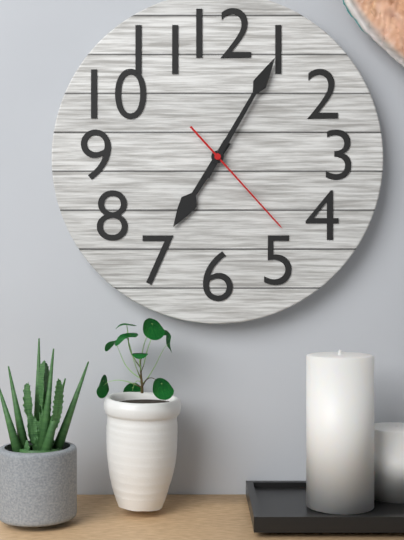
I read 7,05,23
